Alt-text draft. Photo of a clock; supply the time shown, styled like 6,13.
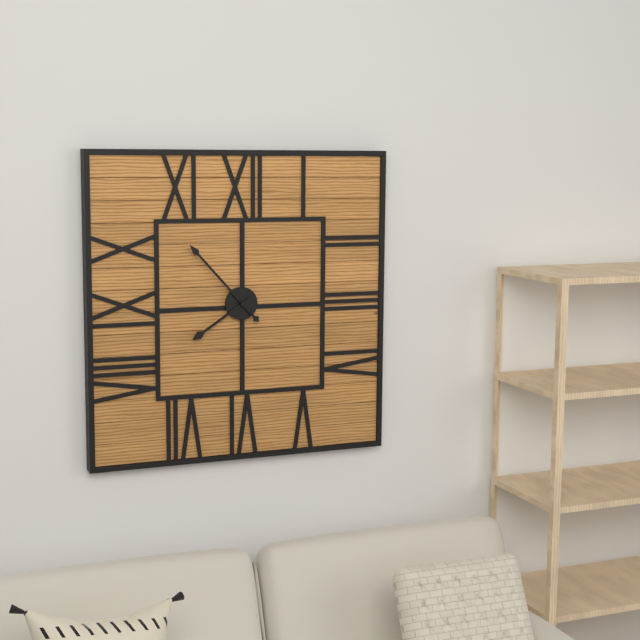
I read 7,53
